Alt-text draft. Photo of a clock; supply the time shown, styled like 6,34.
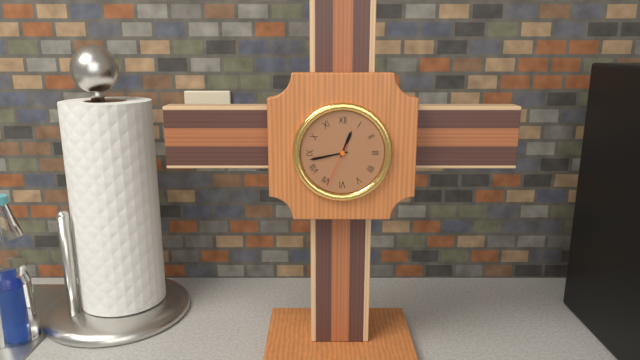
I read 12,43
